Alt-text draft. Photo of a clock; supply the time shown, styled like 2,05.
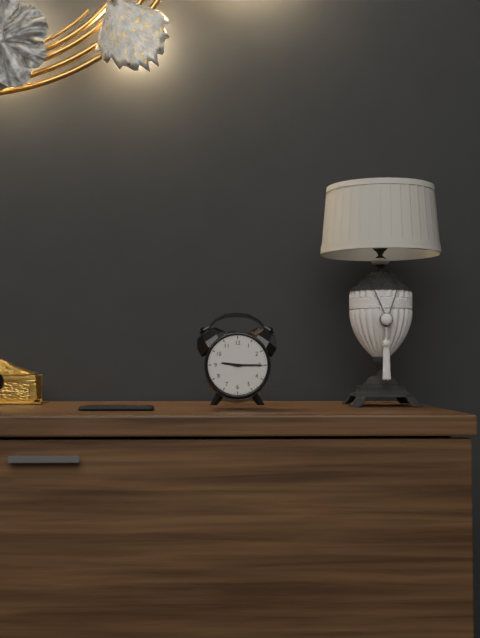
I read 9,15
